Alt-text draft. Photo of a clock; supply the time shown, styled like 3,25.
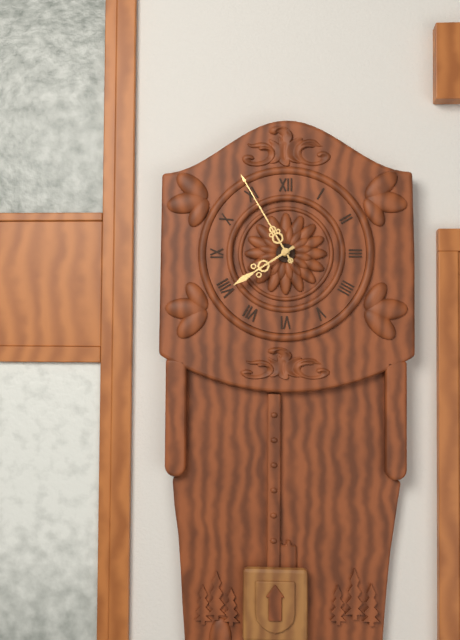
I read 7,55
